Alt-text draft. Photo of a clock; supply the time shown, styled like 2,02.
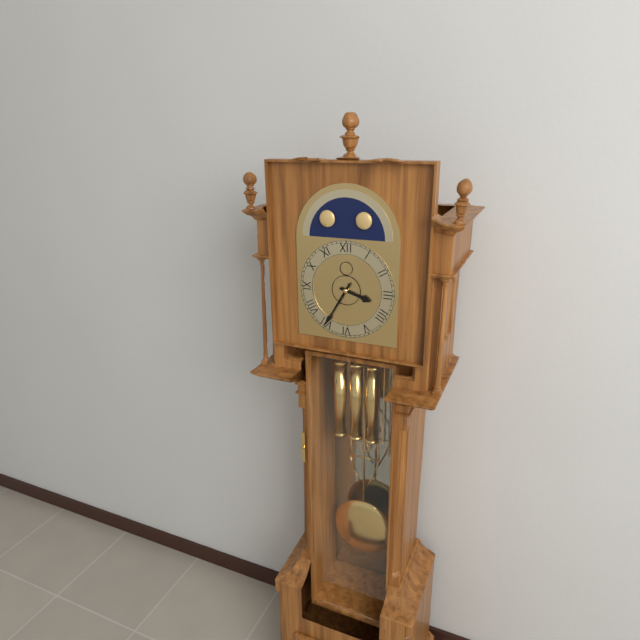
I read 3,35
